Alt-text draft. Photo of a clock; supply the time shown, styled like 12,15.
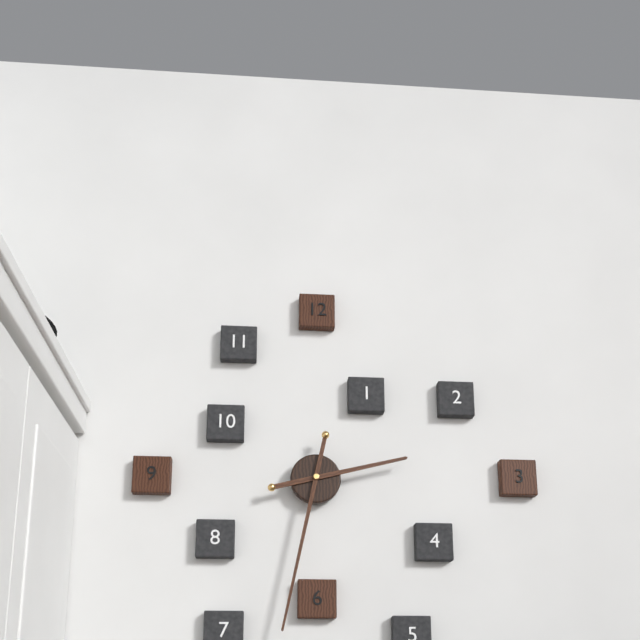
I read 2,32
